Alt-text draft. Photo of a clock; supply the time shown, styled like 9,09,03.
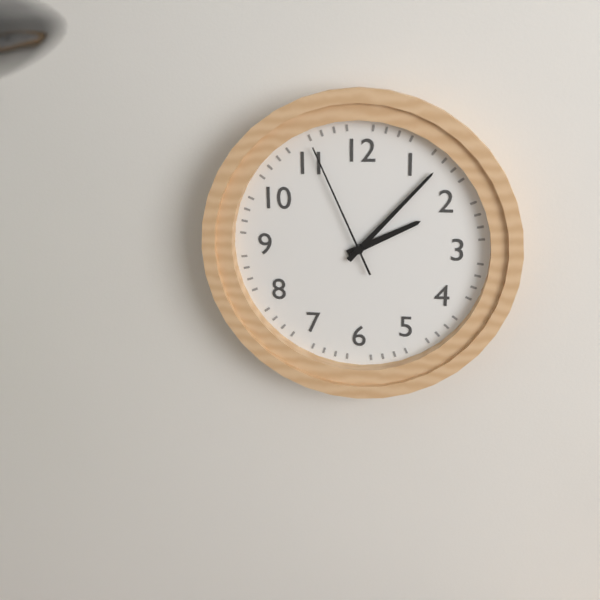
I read 2,07,56
